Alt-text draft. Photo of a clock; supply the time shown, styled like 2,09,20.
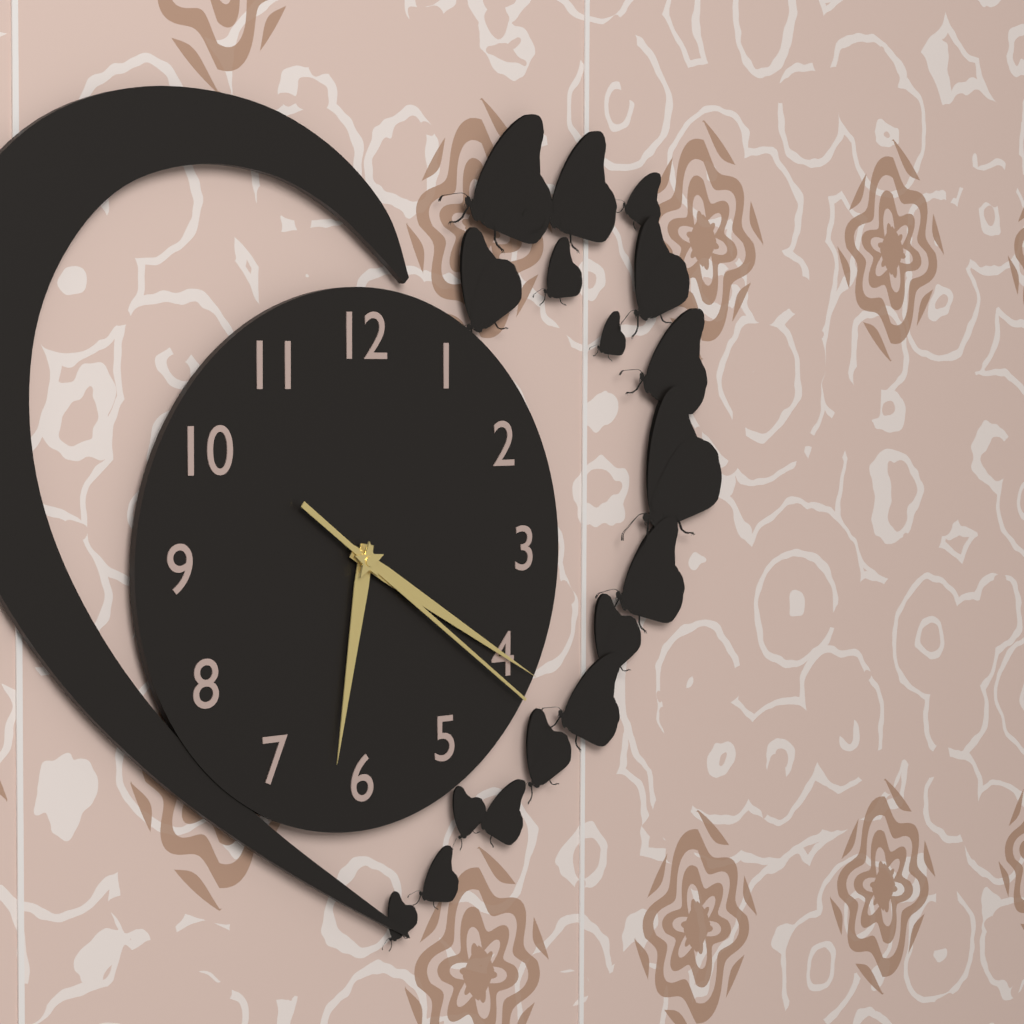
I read 6,20,21
